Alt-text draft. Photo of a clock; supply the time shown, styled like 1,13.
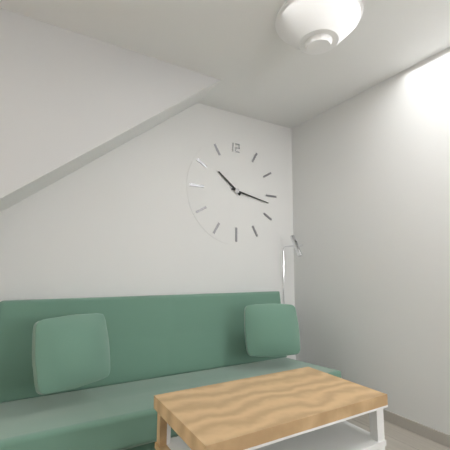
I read 10,17
